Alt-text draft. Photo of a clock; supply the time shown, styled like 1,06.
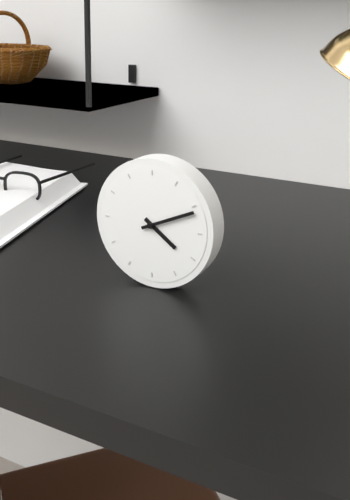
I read 4,11
